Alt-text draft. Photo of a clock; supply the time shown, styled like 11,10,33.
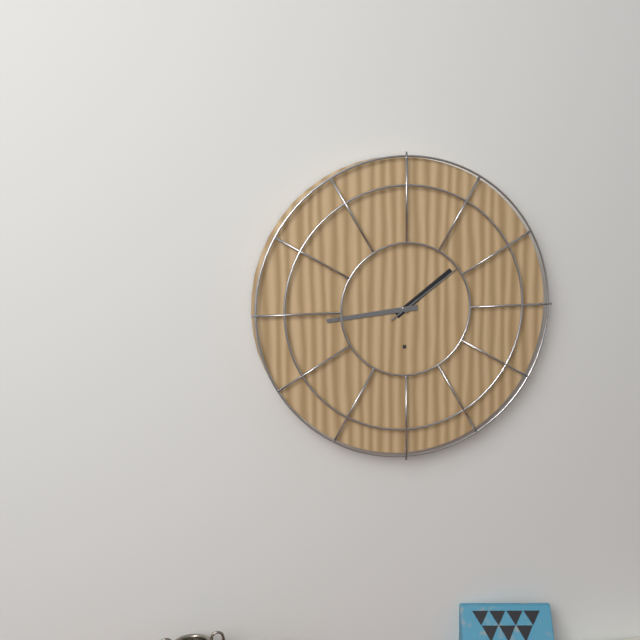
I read 1,44,09
